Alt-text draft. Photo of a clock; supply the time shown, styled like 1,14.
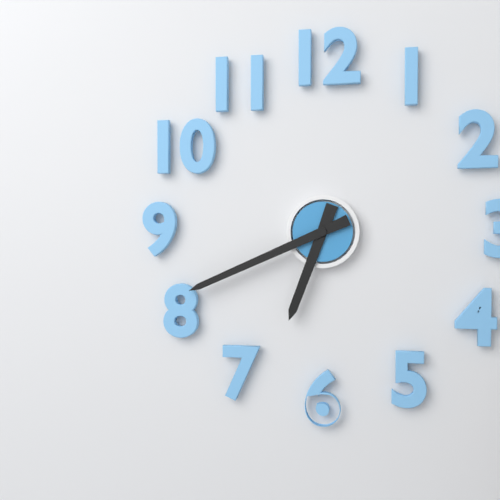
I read 6,41
